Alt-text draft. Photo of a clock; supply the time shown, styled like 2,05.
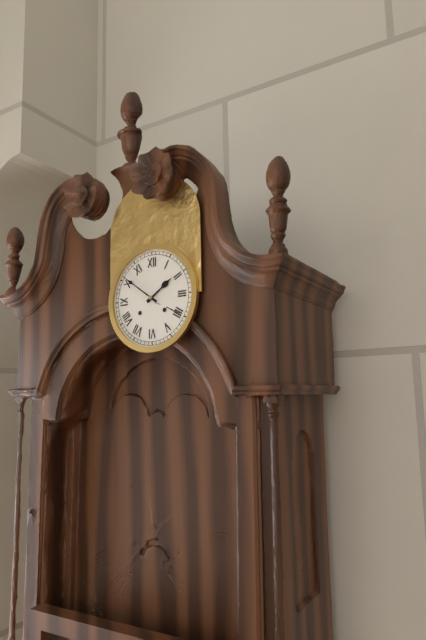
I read 1,51
